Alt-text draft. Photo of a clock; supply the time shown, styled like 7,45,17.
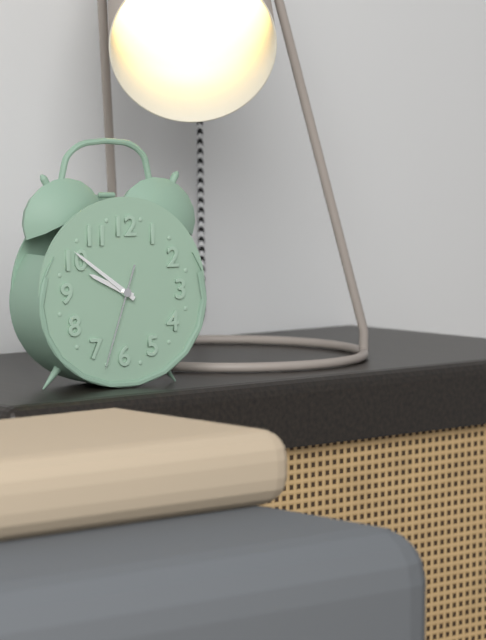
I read 9,51,33
